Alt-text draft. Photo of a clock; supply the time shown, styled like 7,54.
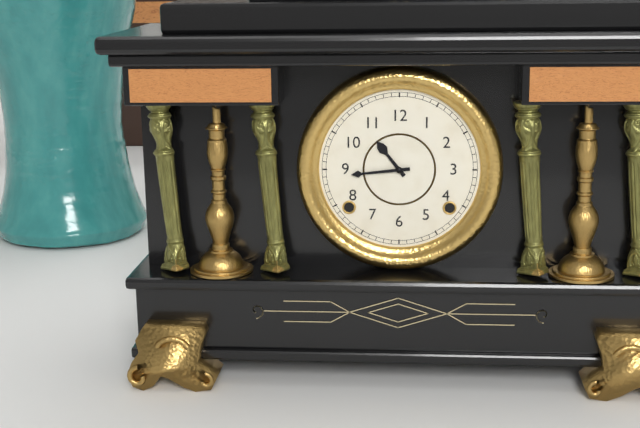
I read 10,44
